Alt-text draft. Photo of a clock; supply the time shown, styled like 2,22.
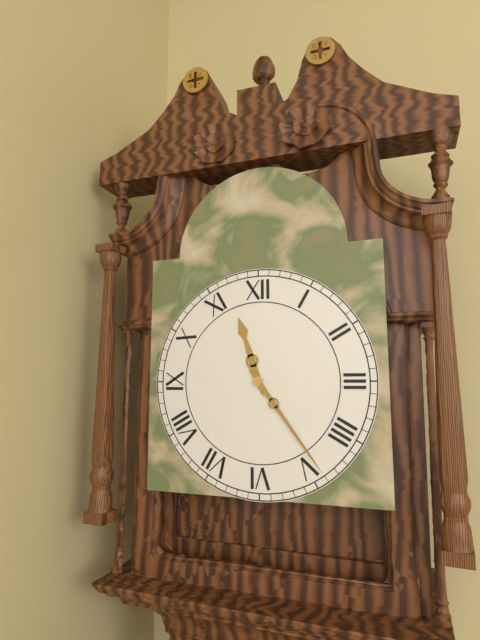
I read 11,24
